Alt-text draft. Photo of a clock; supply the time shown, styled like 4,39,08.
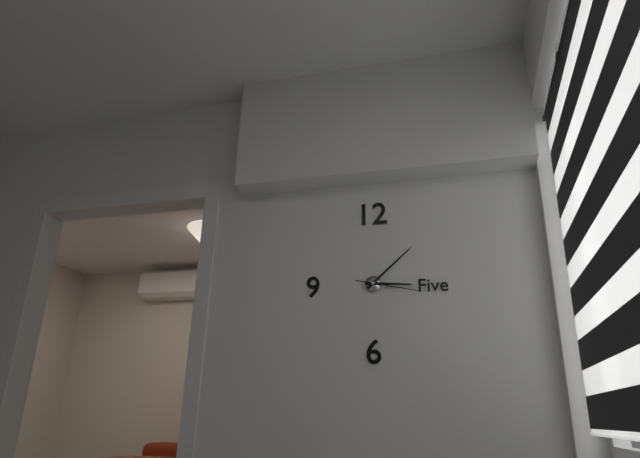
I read 3,08,17
